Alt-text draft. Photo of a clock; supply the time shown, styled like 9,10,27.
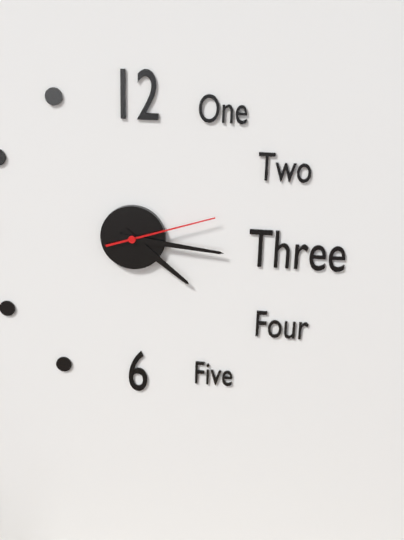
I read 4,16,12
